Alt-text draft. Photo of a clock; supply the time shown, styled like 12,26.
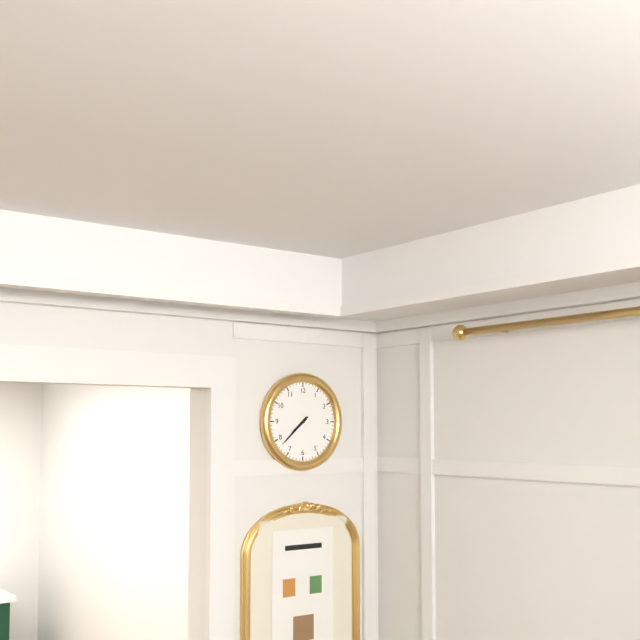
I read 7,38
